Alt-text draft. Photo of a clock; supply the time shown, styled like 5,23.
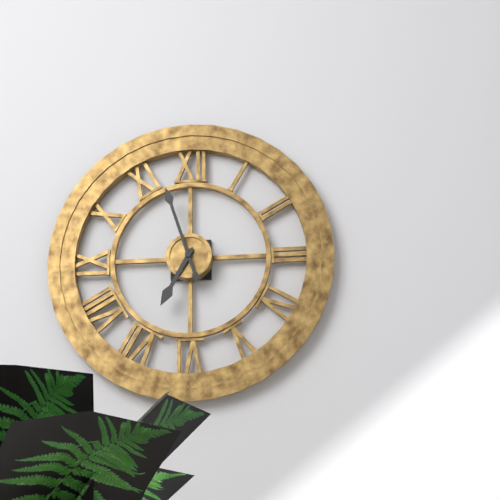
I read 6,57
